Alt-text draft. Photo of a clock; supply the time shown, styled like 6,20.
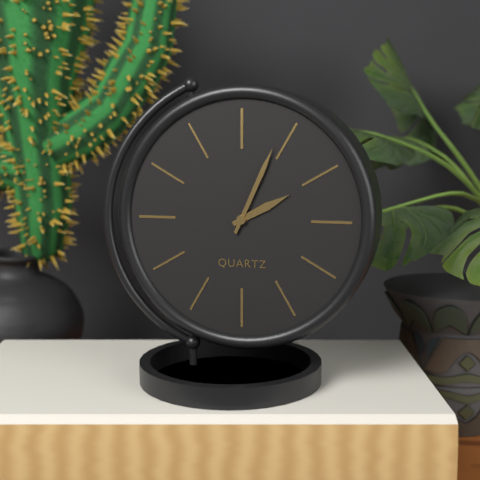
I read 2,04
